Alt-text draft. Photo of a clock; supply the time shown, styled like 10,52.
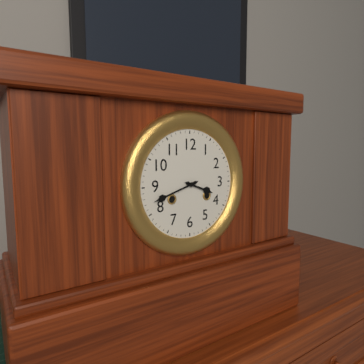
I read 3,42
